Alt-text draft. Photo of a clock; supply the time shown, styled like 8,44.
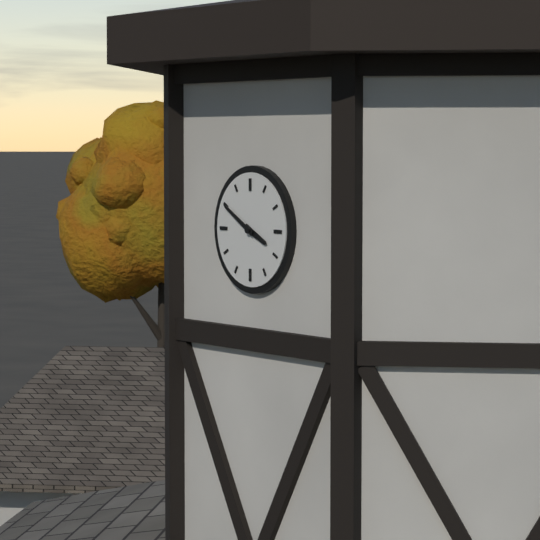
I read 3,50
